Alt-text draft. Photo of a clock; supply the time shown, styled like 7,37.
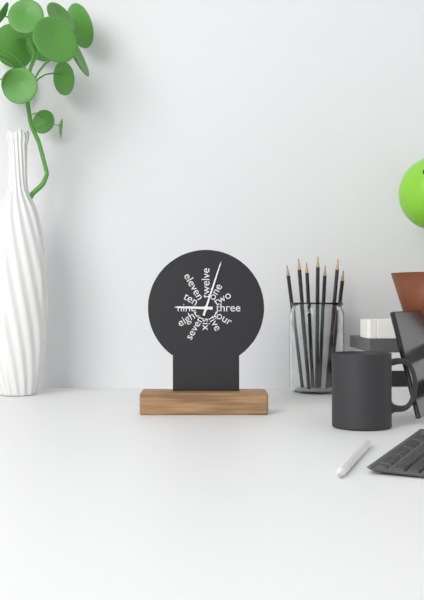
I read 9,03
